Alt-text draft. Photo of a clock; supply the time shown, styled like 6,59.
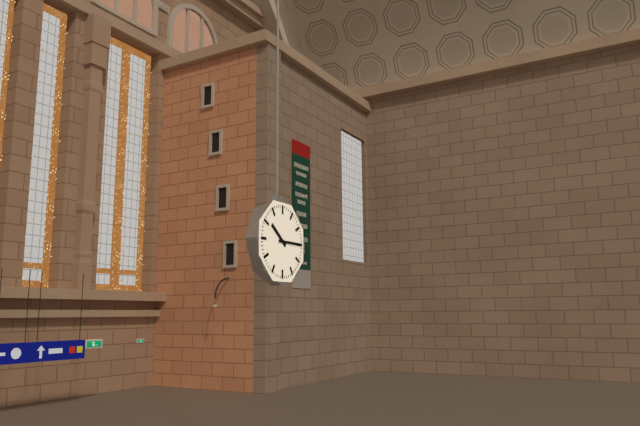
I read 10,15
